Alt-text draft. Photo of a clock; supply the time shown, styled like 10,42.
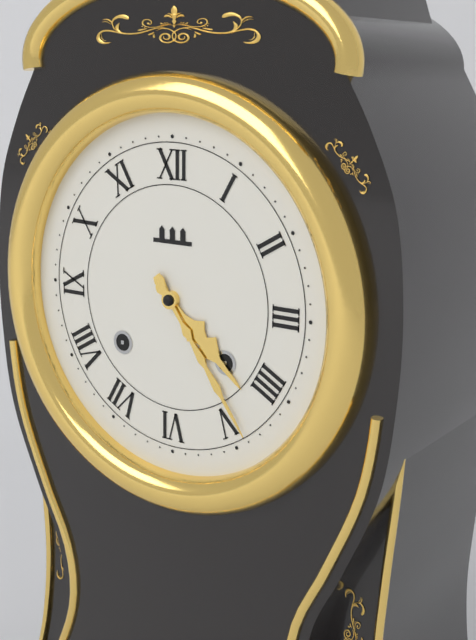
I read 4,24
